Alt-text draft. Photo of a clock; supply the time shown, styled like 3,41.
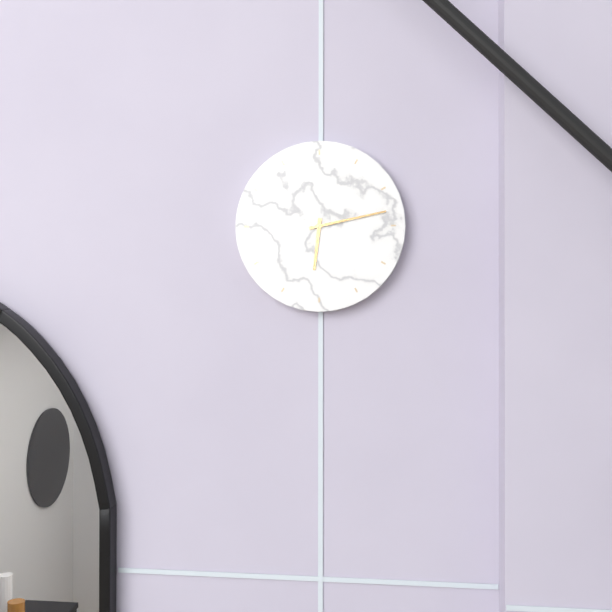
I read 6,13
